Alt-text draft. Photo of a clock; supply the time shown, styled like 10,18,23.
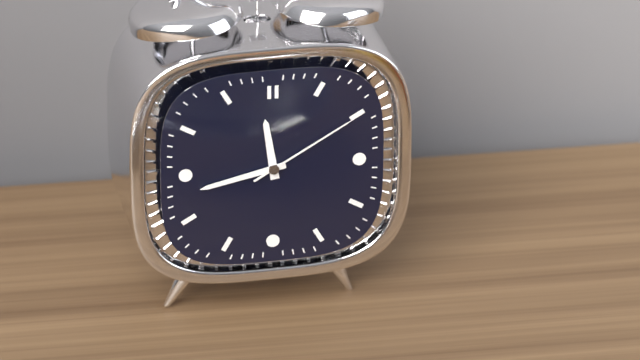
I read 11,43,10
